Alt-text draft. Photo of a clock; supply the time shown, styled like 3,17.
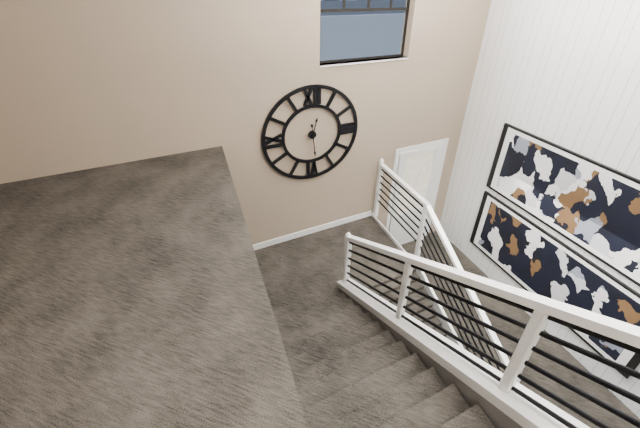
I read 12,29
